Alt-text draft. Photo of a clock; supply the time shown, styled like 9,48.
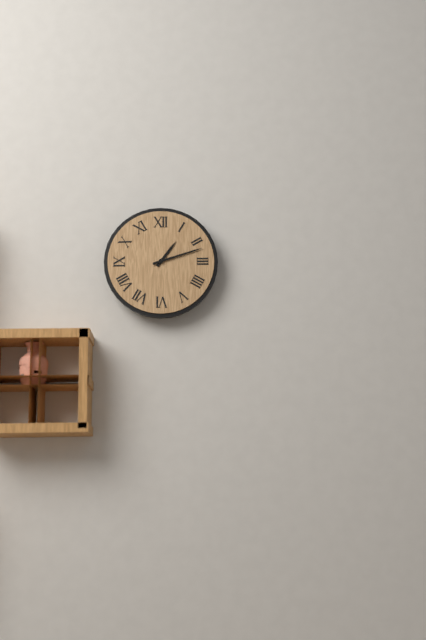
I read 1,12
